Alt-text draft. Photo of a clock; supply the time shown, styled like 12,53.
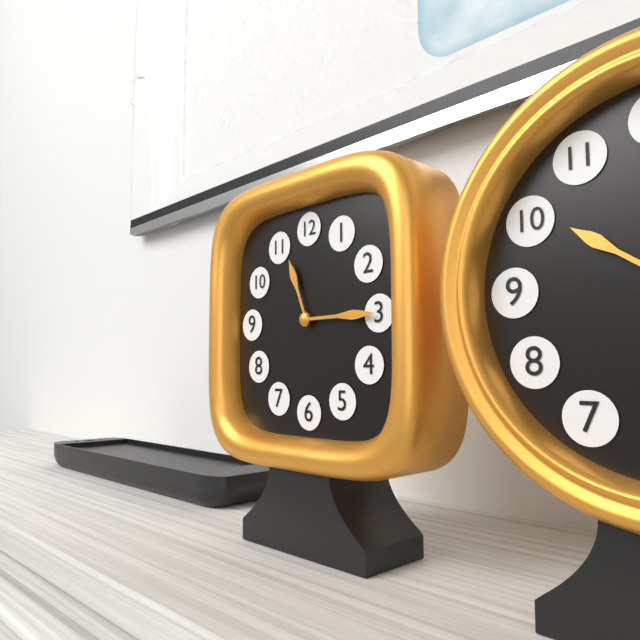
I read 11,15
